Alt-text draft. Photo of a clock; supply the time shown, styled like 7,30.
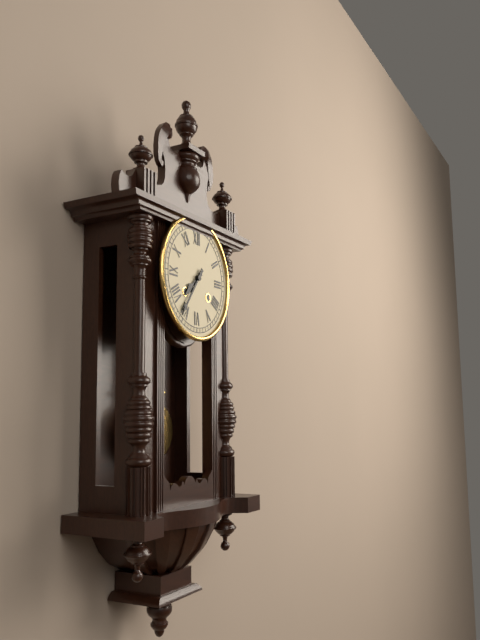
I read 7,36
